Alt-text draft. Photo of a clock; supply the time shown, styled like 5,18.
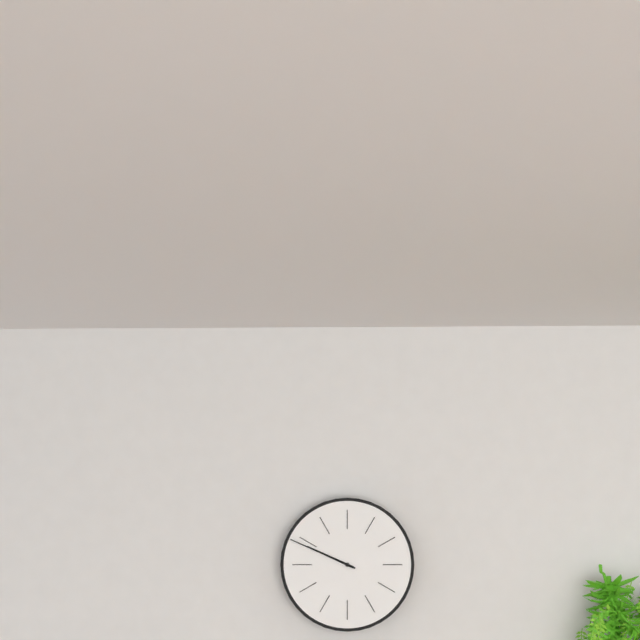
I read 9,49
